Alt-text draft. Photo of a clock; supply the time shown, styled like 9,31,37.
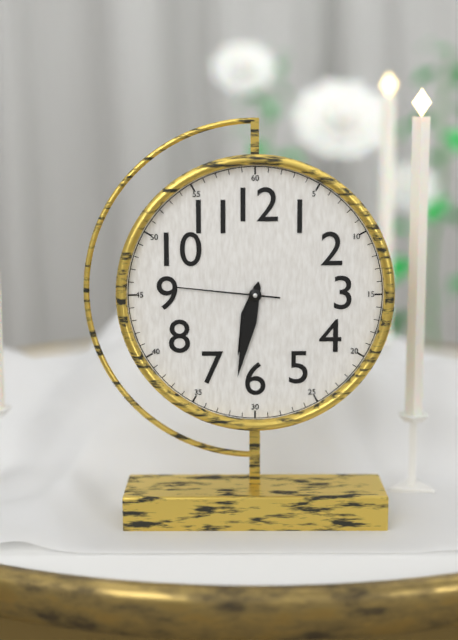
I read 6,32,46
